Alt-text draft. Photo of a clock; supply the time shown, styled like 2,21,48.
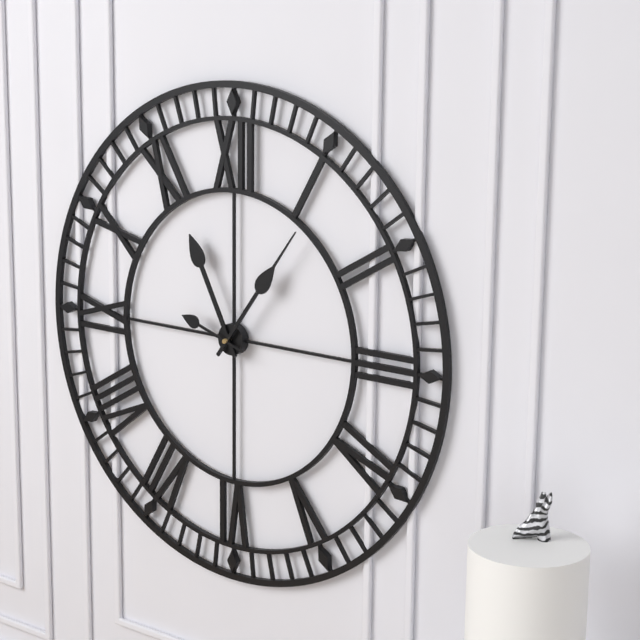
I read 11,06,48
